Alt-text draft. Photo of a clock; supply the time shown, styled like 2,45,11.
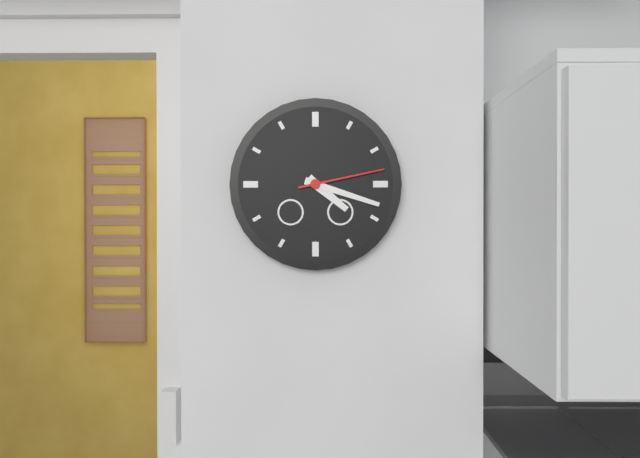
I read 4,18,13
